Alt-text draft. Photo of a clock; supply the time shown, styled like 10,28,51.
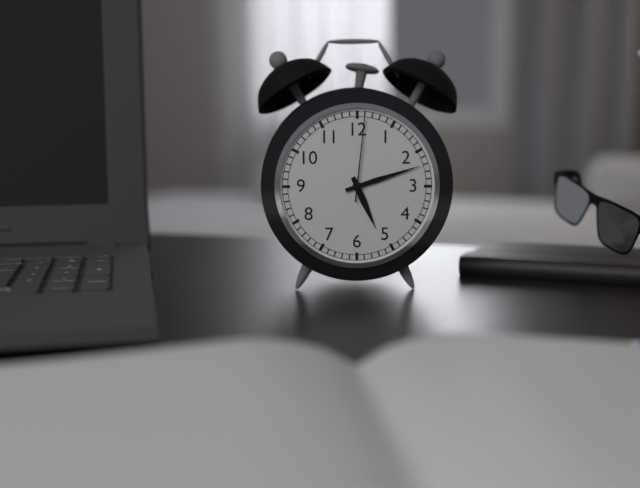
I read 5,12,01
